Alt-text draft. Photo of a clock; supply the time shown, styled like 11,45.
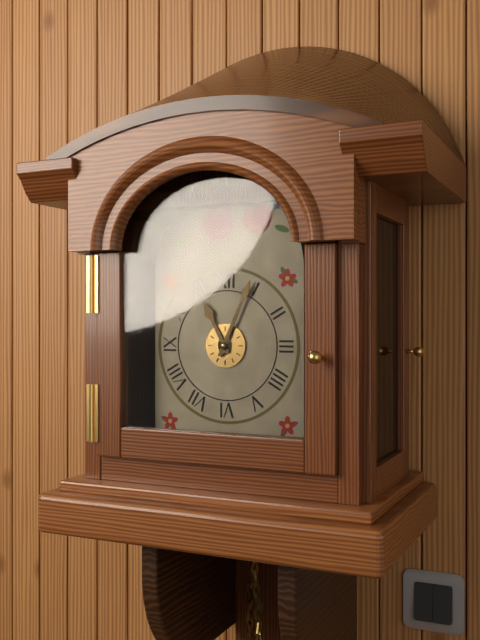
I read 11,04
